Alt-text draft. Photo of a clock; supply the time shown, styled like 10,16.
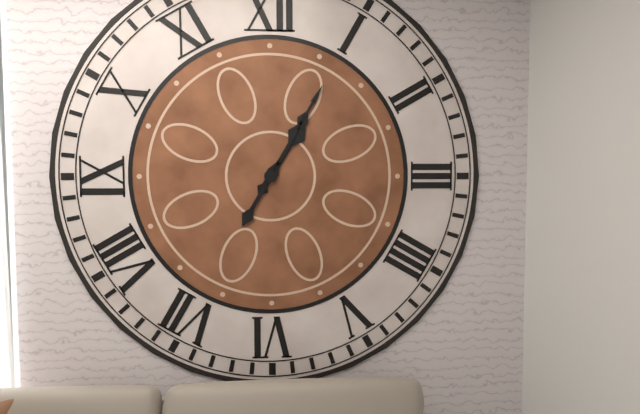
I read 1,05
